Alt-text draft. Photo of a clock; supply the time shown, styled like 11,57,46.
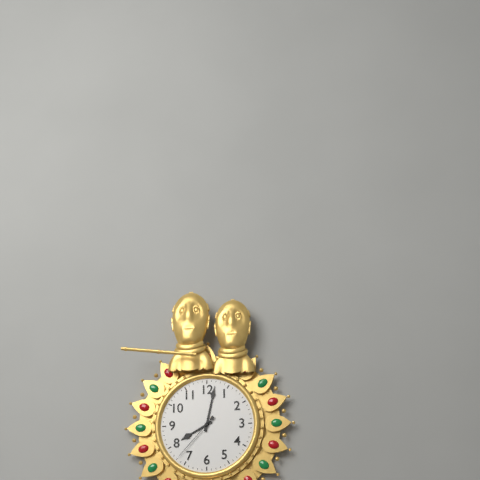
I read 8,02,37
